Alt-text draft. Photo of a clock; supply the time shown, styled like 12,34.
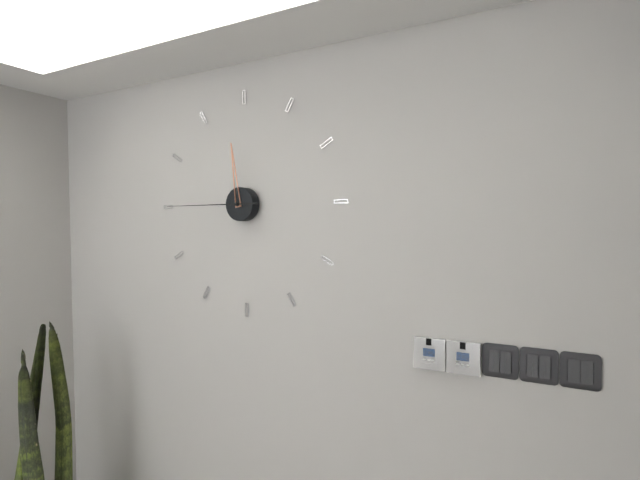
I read 11,45
